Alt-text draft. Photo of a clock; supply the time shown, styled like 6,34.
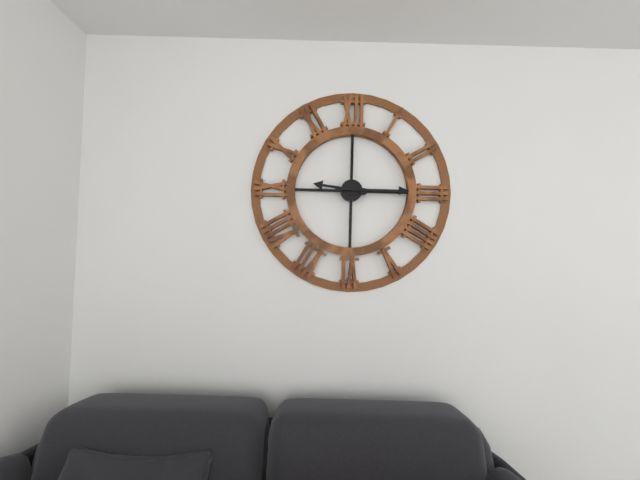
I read 9,15
